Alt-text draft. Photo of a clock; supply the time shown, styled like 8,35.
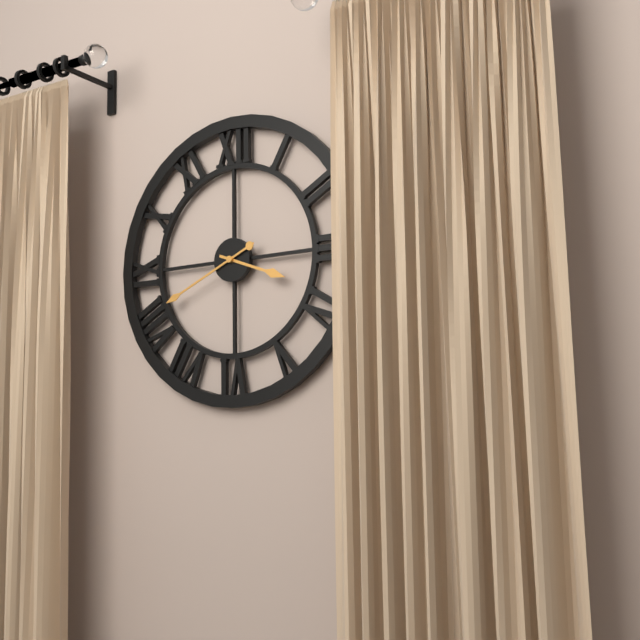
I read 3,41
